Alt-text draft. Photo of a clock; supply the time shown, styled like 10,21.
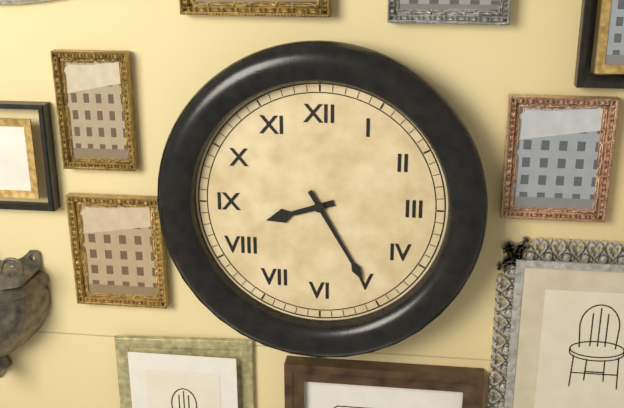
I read 8,25
